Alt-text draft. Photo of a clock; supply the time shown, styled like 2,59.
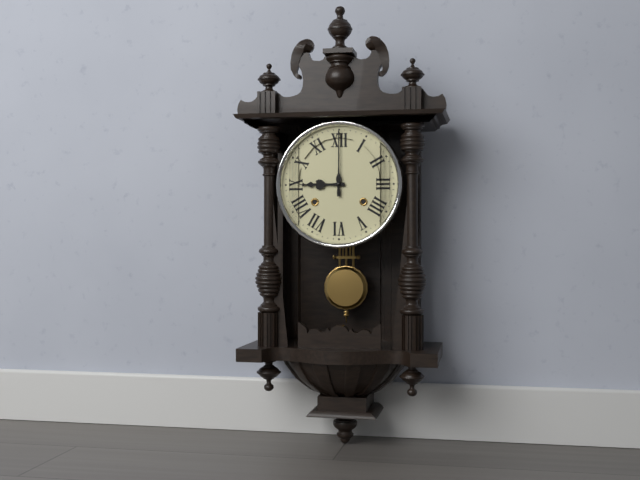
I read 9,00
